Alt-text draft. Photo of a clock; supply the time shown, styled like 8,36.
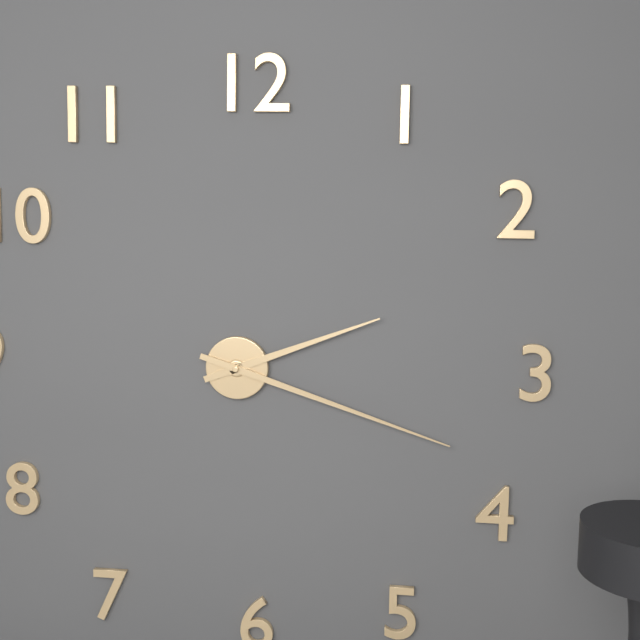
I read 2,18
